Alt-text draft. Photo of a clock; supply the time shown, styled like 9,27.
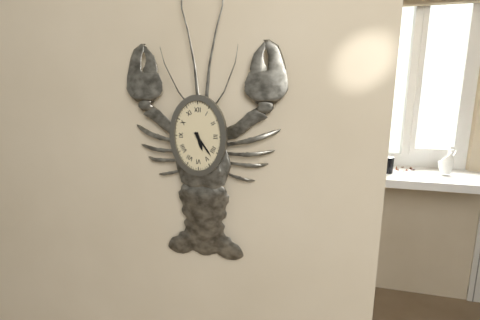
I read 5,24
